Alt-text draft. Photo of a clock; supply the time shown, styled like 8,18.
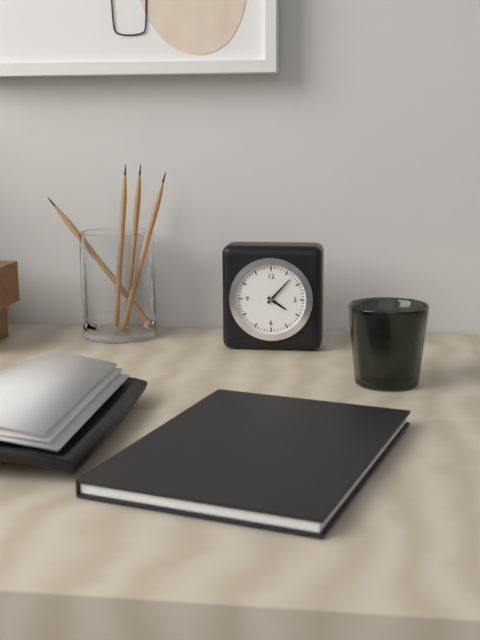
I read 4,07
